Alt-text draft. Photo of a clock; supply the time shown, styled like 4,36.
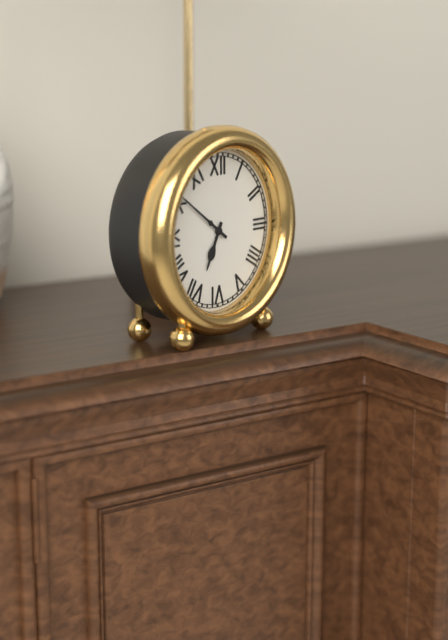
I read 6,51
